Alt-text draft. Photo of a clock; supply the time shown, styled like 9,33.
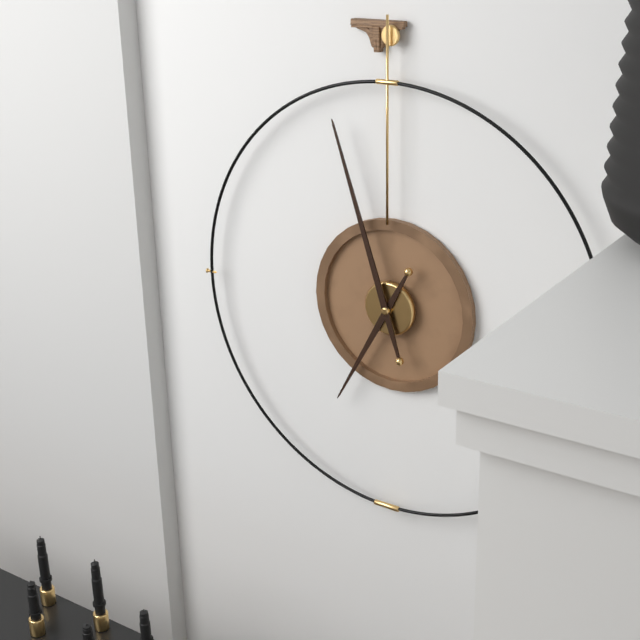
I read 6,57
